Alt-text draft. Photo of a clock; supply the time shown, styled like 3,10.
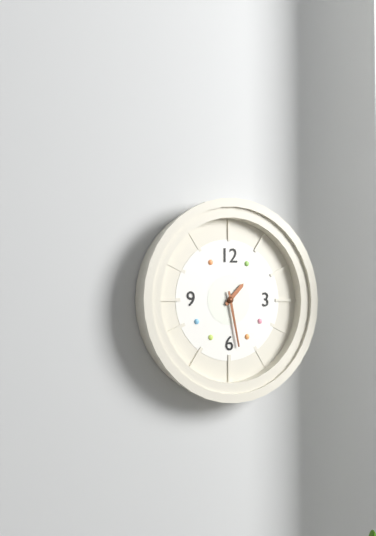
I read 1,28
